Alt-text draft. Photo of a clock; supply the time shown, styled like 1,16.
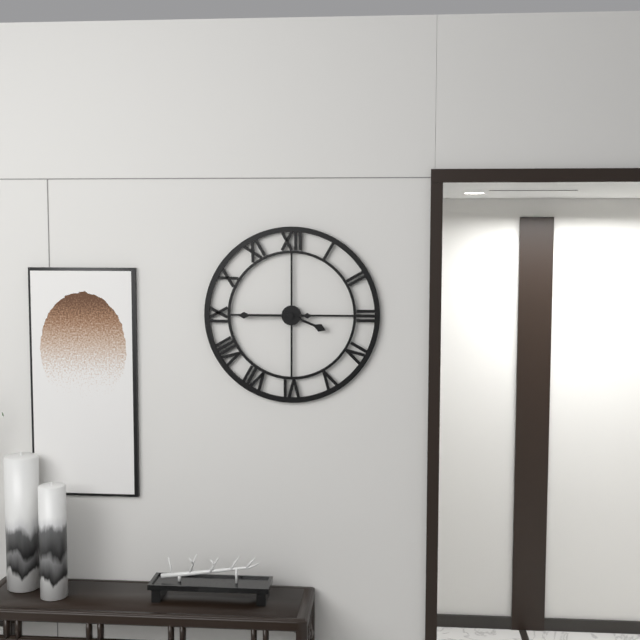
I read 3,45
